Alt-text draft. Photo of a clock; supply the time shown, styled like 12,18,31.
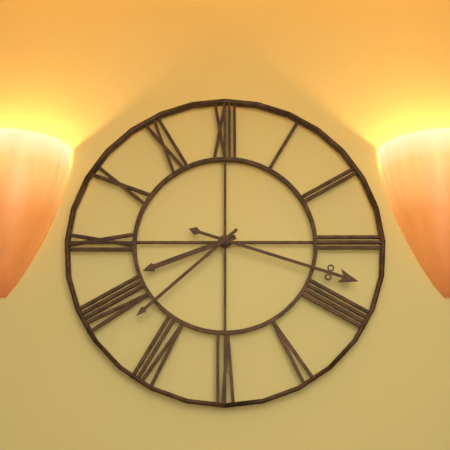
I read 8,18,38
